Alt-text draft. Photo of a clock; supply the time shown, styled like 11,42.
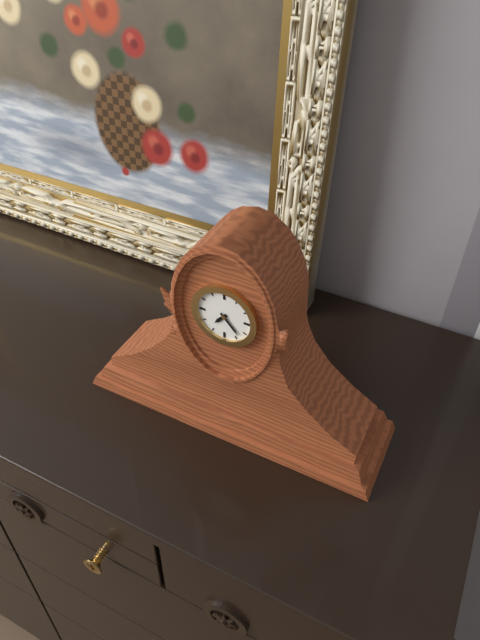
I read 7,23
